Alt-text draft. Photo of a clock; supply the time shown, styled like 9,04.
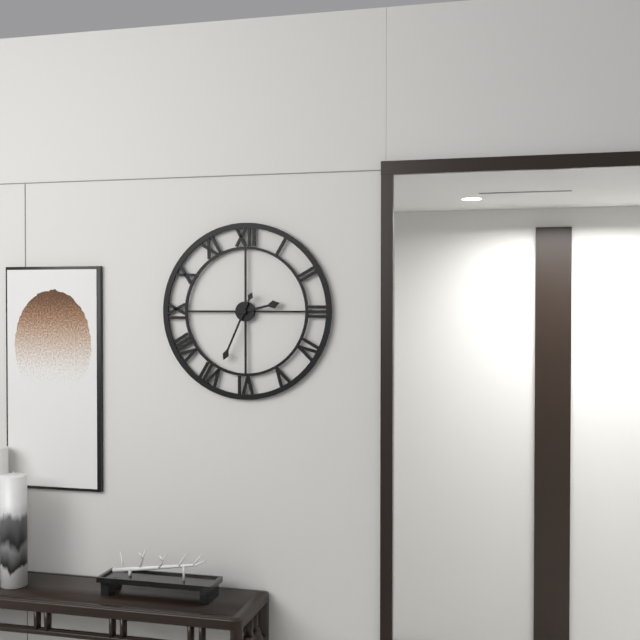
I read 2,34
